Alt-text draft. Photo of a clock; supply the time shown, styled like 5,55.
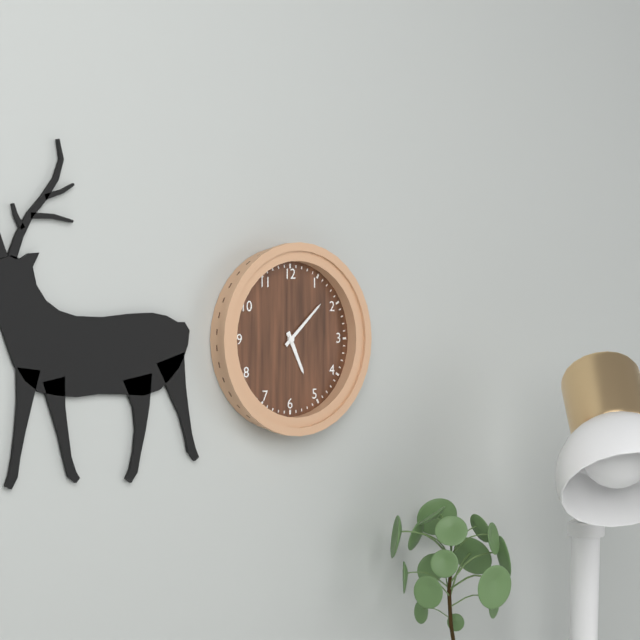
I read 5,08
